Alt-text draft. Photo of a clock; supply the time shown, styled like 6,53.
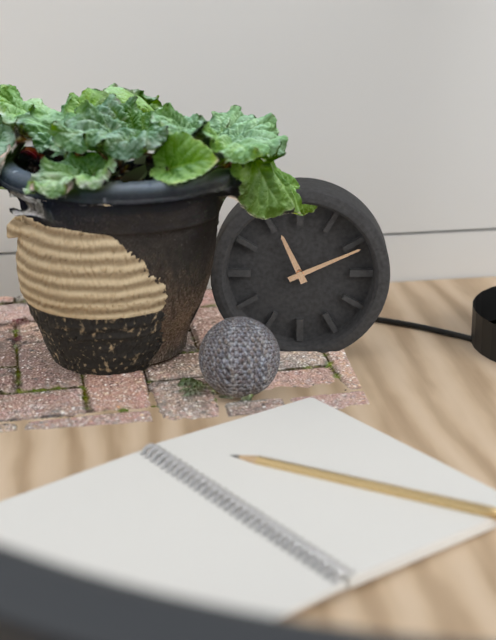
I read 11,11
